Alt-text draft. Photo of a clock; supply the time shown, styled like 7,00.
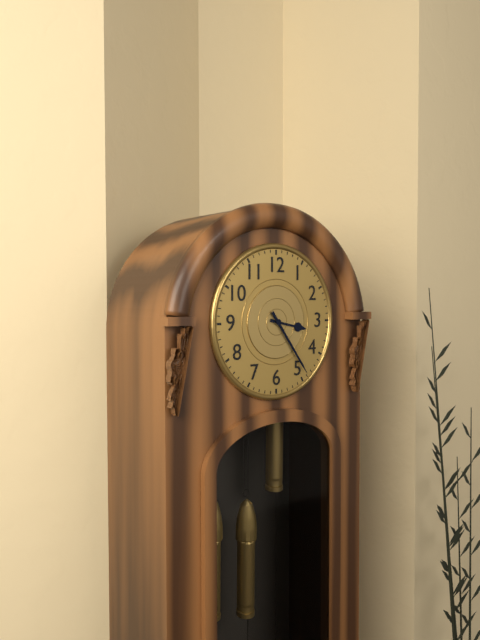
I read 3,24
